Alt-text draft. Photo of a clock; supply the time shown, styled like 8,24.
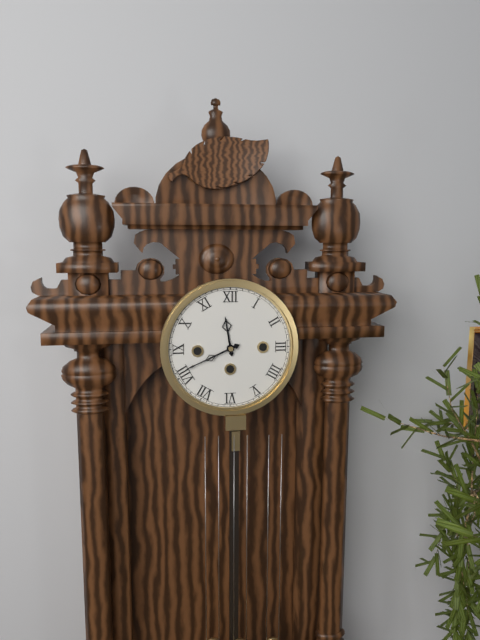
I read 11,41
